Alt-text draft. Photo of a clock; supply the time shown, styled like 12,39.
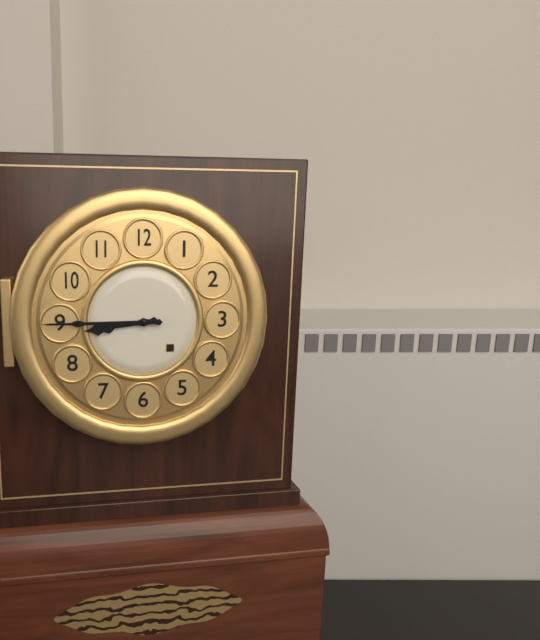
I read 8,45
